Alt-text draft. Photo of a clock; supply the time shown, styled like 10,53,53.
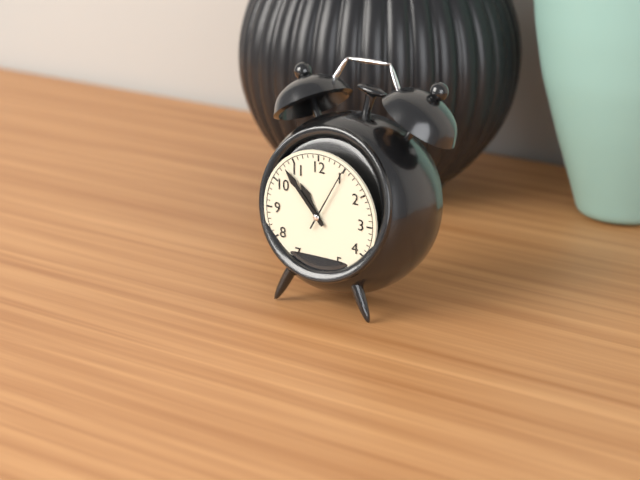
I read 10,53,05
